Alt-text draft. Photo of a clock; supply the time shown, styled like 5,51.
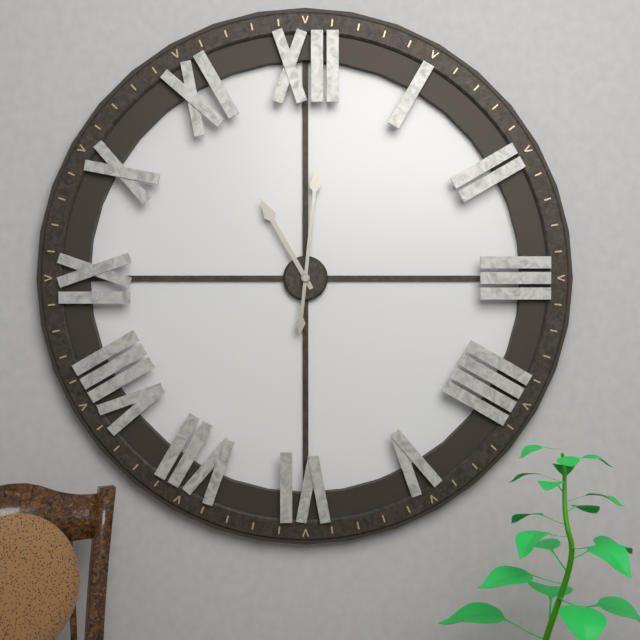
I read 11,01
